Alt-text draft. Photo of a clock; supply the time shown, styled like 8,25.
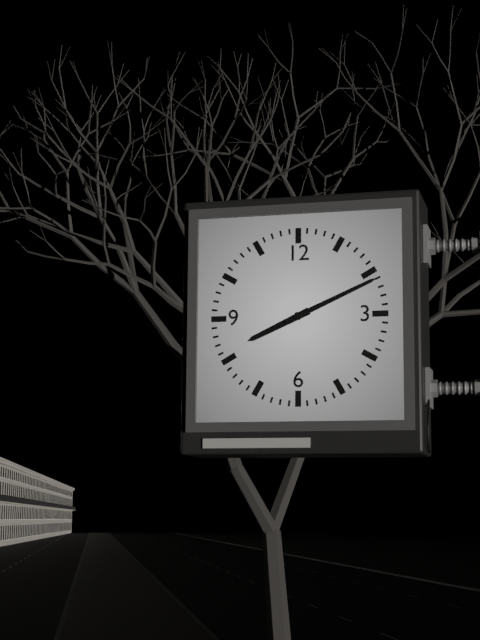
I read 8,11
